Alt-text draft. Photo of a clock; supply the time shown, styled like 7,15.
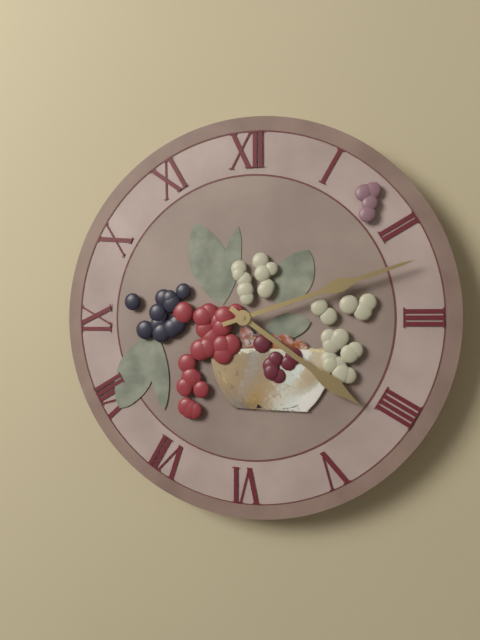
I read 4,12
